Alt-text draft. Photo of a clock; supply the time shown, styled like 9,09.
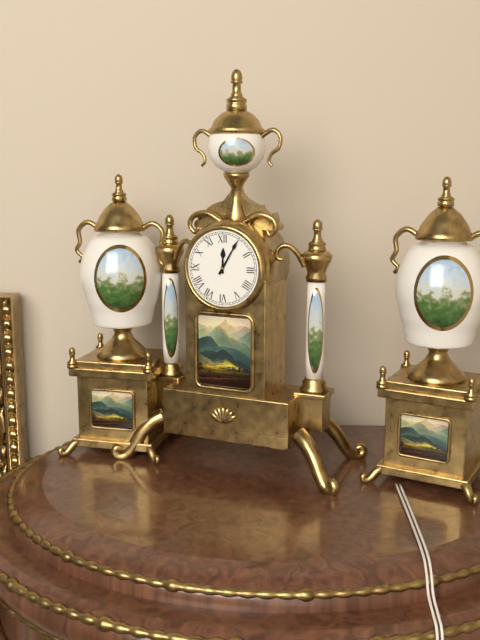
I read 12,05
